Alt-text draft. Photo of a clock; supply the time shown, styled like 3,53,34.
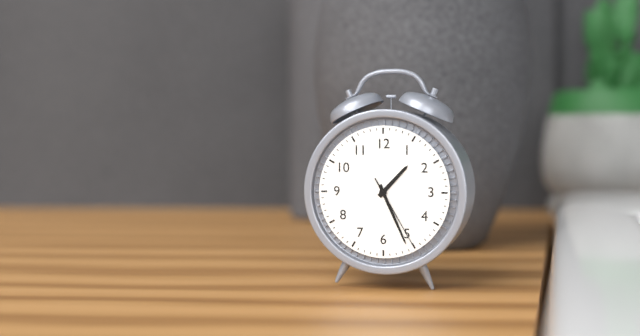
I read 1,26,25
